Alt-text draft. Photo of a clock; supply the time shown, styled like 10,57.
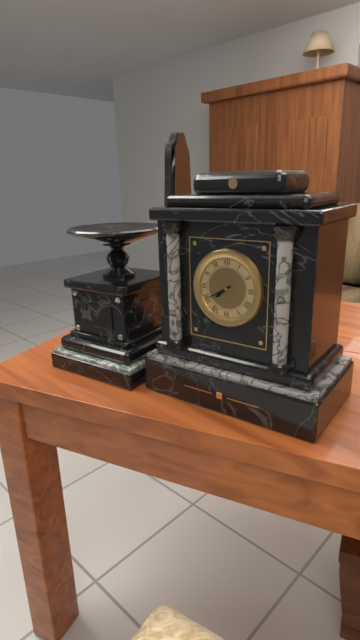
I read 7,40
